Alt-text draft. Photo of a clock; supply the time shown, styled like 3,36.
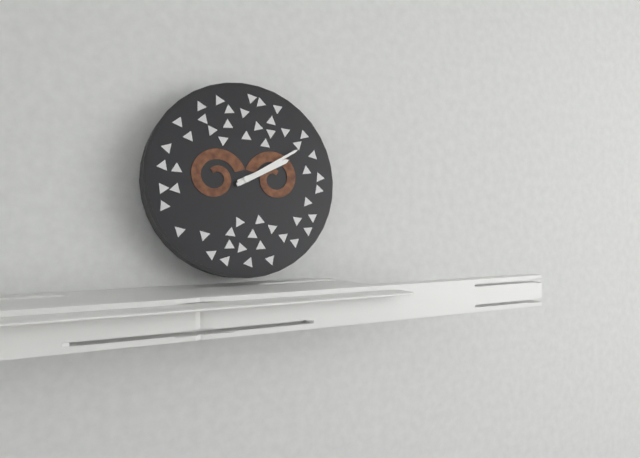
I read 2,10
